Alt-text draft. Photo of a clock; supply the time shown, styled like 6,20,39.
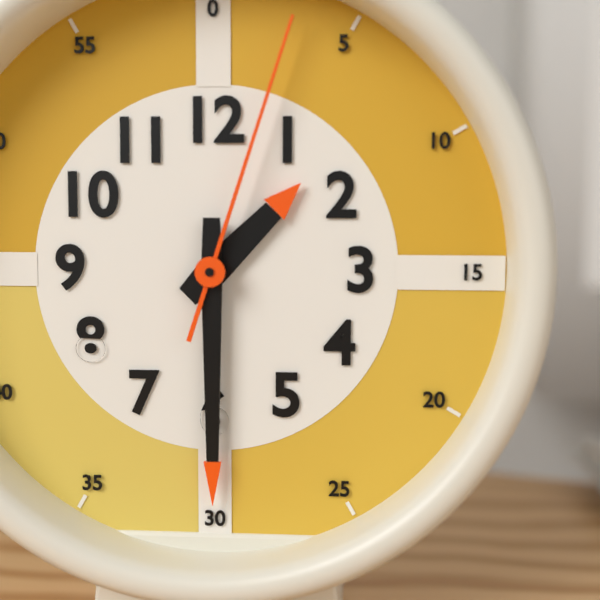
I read 1,30,03
